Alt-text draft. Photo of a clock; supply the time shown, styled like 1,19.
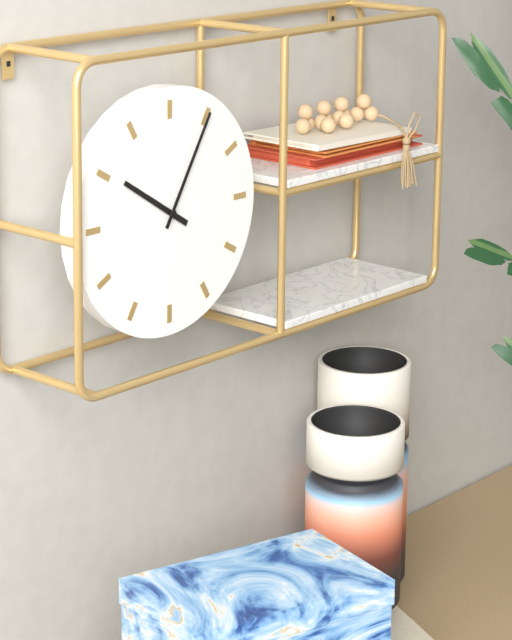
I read 10,05
